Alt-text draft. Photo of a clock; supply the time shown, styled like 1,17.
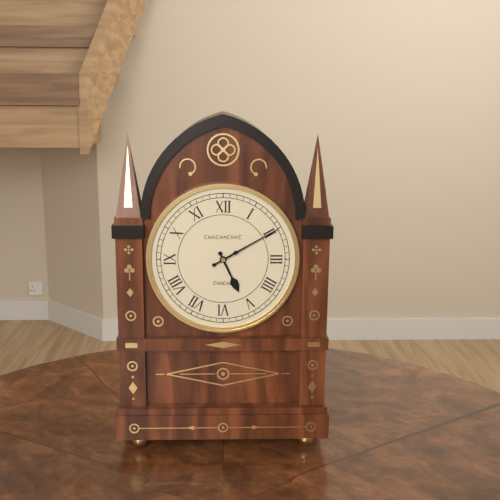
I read 5,10
